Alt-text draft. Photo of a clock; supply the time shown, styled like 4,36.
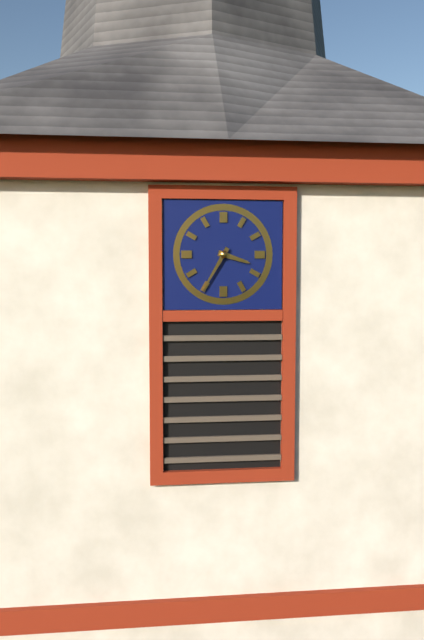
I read 3,35
